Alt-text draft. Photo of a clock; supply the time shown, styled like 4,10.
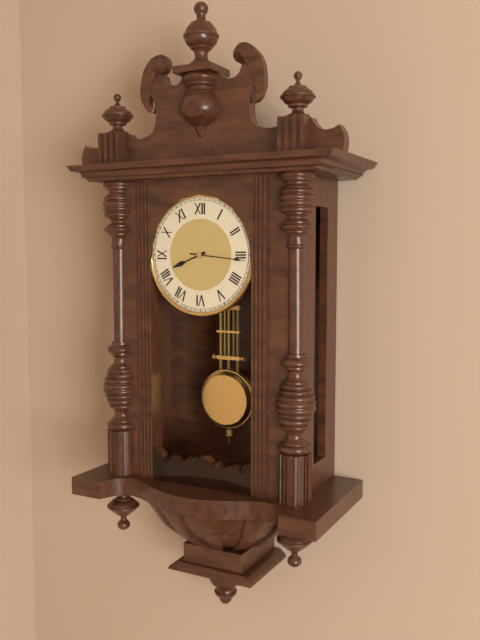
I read 8,16
